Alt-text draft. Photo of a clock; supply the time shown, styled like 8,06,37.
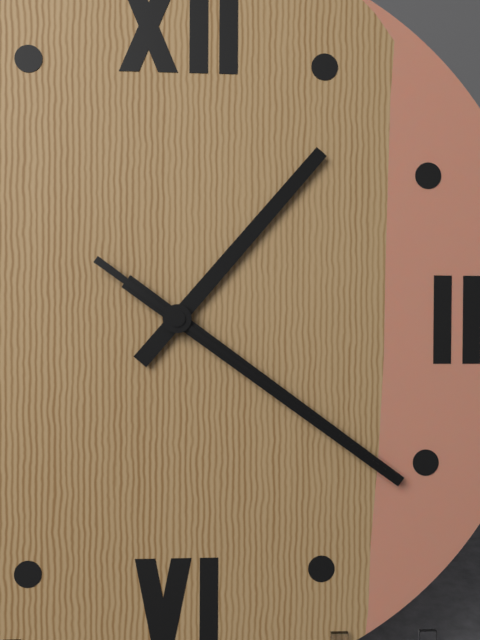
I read 1,21,21
